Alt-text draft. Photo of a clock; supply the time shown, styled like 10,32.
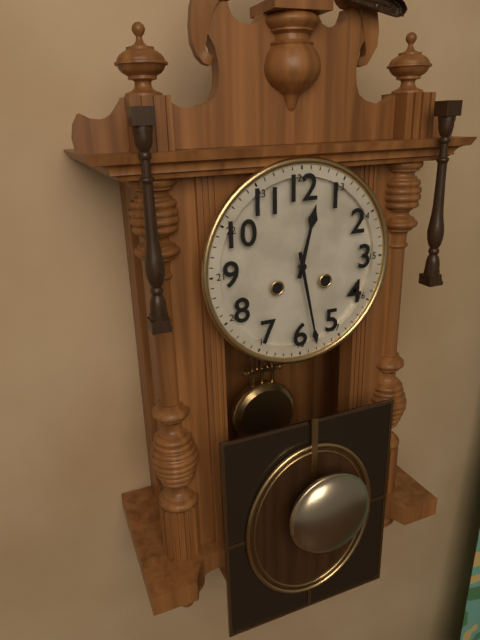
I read 12,28
